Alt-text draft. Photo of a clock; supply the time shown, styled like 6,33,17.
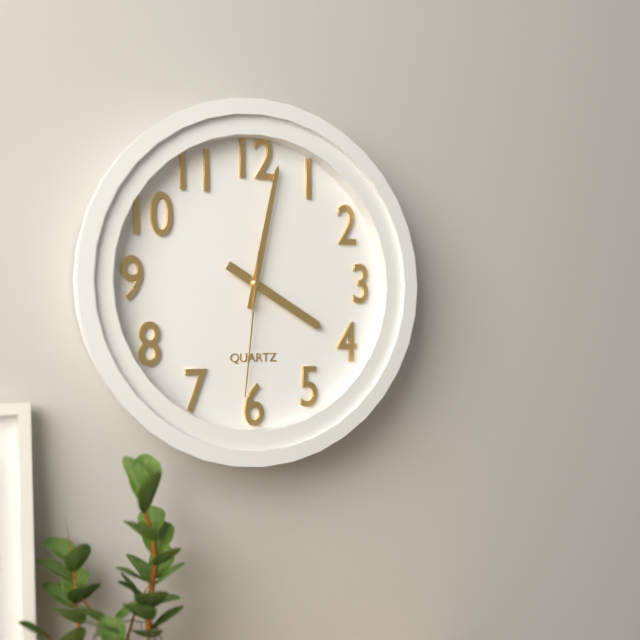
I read 4,02,31
